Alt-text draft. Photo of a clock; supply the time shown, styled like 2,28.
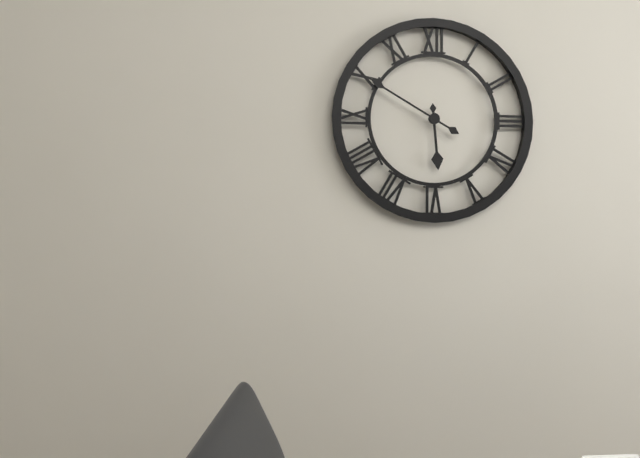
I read 5,50
